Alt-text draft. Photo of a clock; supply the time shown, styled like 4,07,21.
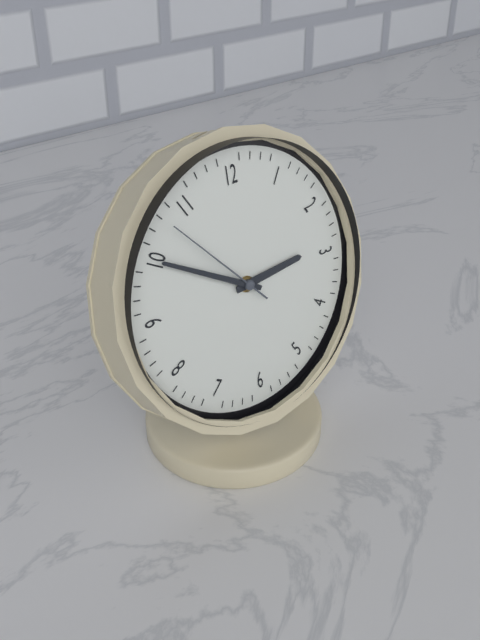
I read 2,50,53
